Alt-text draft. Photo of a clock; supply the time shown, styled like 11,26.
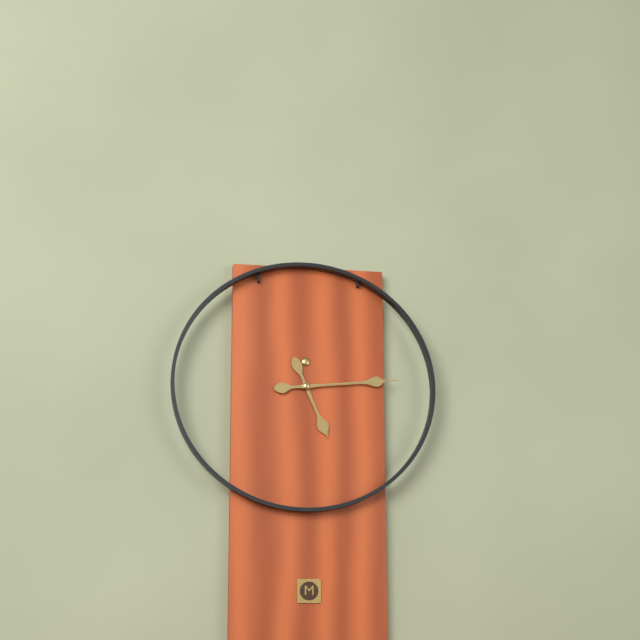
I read 5,14
